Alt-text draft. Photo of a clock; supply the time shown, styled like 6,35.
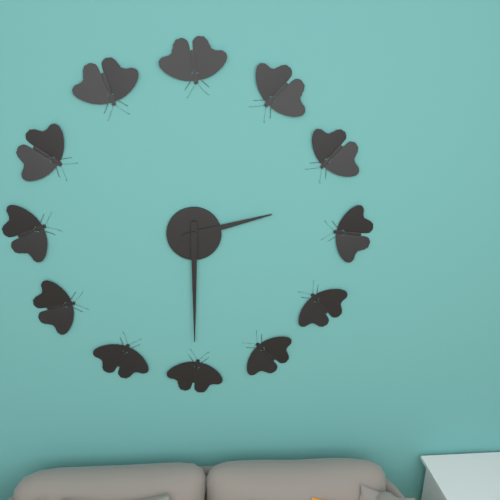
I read 2,30
